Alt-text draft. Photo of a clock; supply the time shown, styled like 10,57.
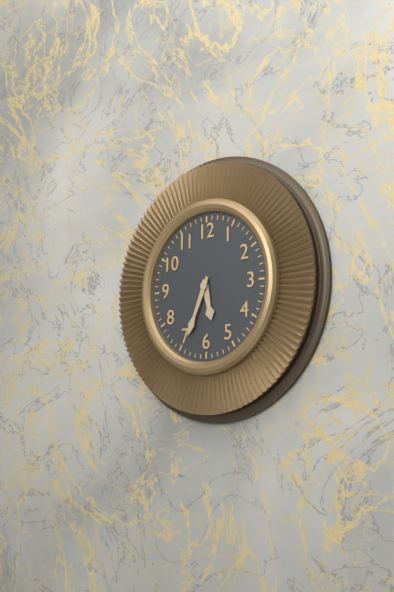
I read 5,34
